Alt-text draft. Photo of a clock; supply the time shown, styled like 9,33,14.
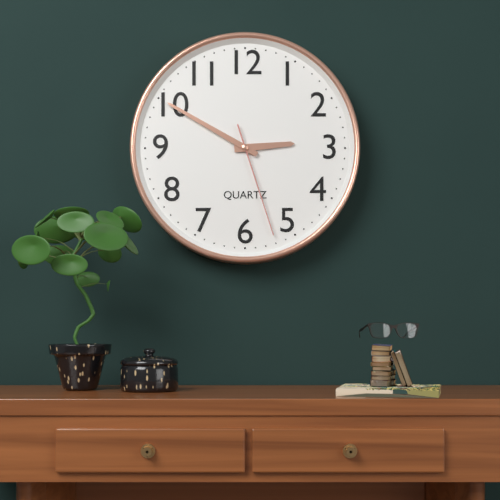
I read 2,50,27
